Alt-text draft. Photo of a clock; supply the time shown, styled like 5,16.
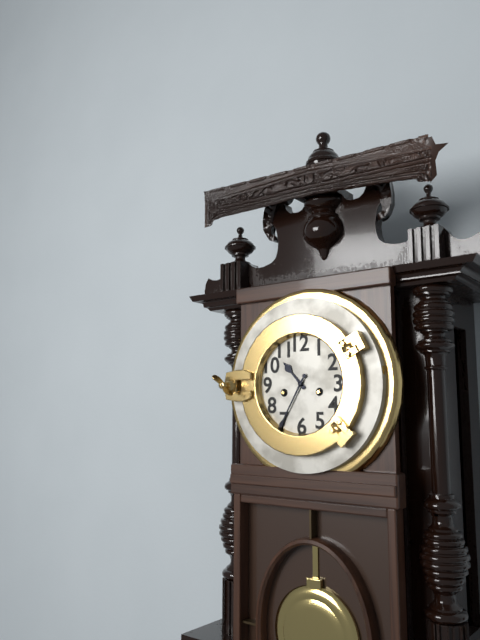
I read 10,35
